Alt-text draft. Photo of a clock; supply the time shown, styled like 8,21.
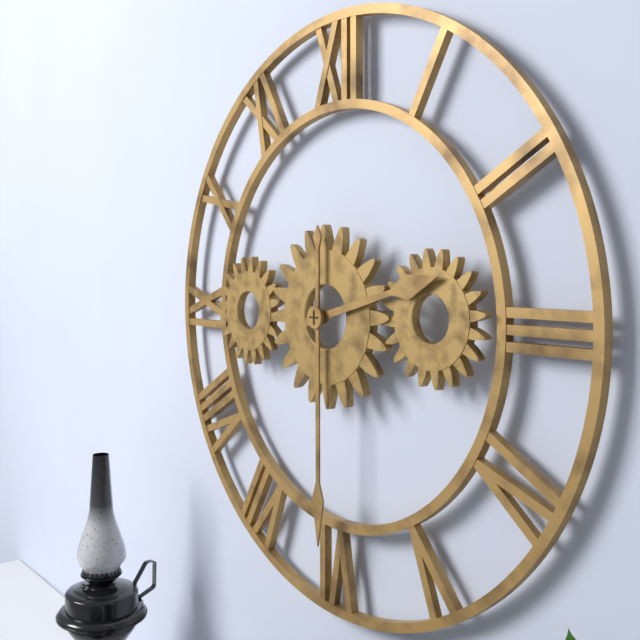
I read 2,30
